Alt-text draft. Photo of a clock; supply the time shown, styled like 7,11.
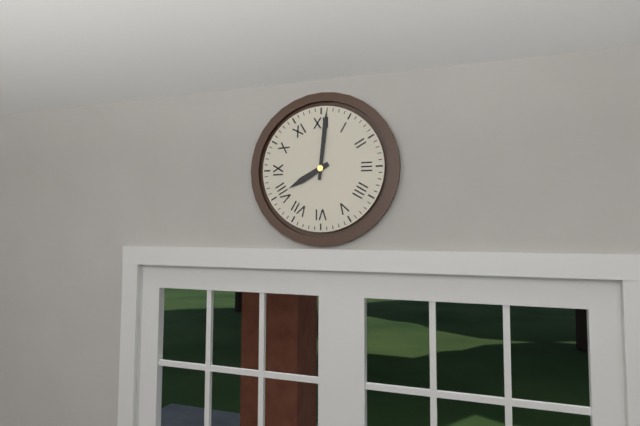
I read 8,01
